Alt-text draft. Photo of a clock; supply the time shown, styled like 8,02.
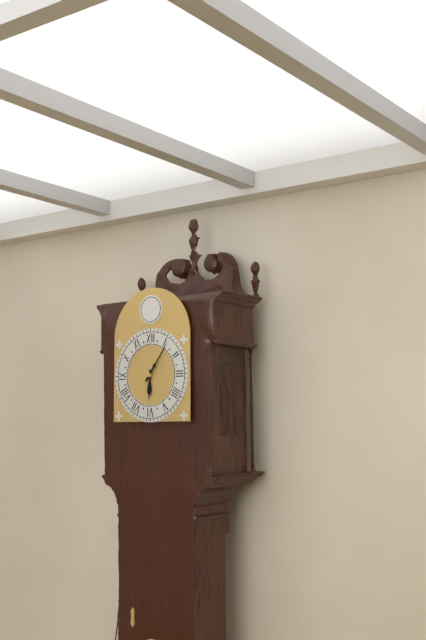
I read 6,06
